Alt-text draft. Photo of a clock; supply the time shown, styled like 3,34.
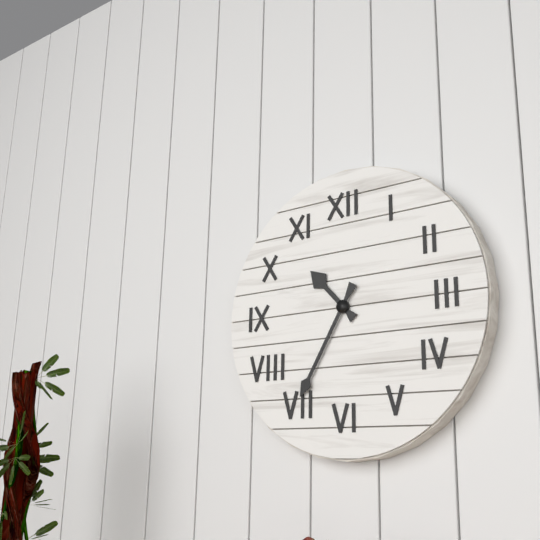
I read 10,35
